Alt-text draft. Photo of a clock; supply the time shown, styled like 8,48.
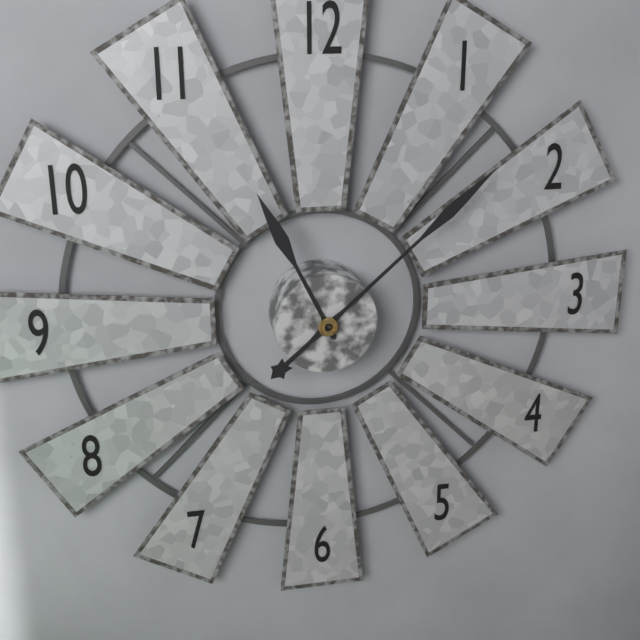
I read 11,08
